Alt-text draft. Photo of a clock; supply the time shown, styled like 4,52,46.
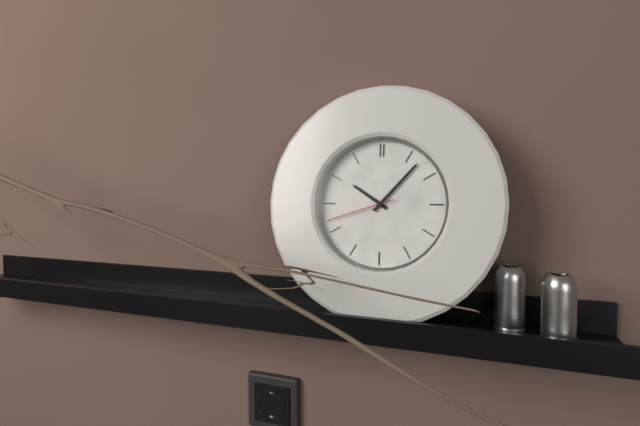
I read 10,07,42
